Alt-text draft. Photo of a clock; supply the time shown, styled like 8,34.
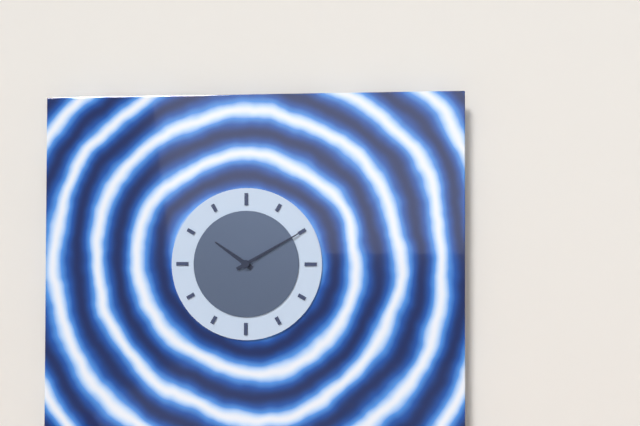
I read 10,10
